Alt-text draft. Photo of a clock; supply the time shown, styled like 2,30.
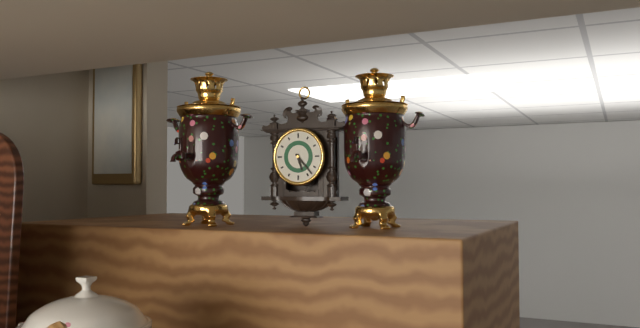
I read 5,23
